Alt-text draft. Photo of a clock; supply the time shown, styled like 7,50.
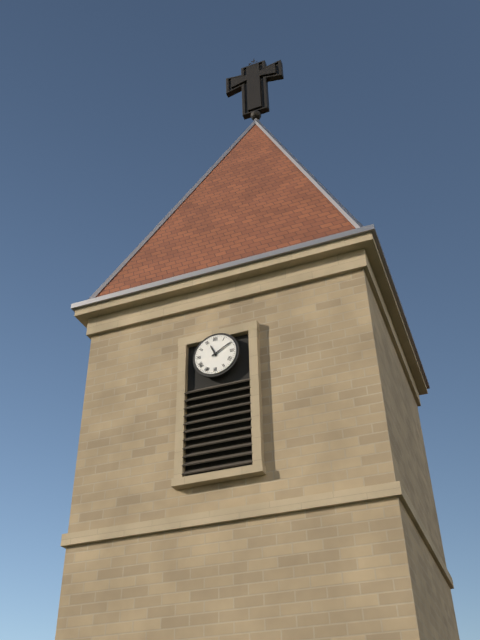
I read 11,10
